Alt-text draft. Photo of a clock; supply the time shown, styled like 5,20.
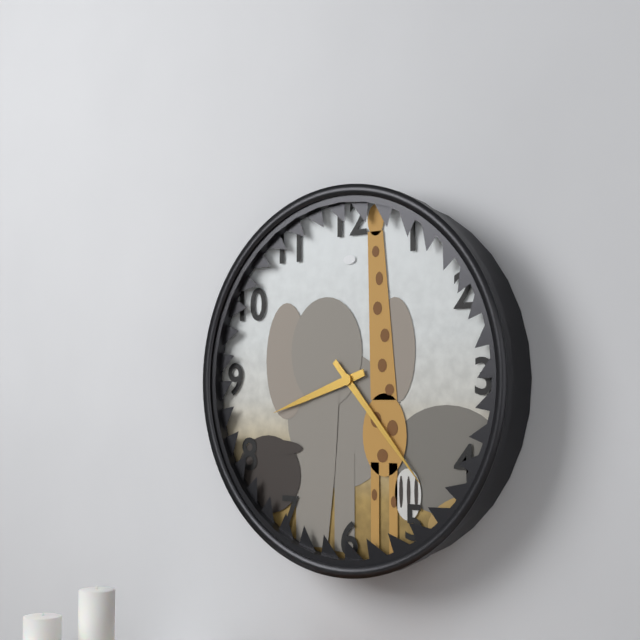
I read 8,23
